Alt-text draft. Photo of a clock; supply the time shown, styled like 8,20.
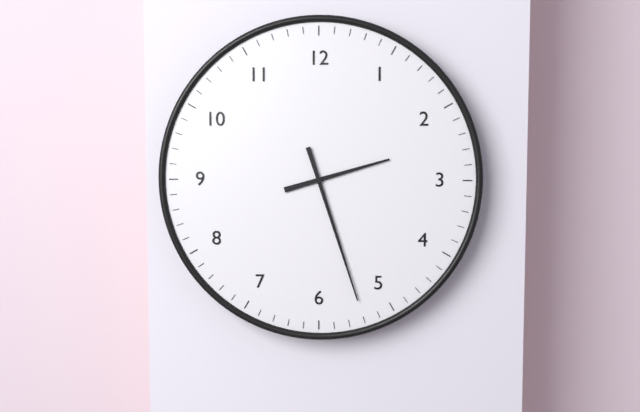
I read 2,27
